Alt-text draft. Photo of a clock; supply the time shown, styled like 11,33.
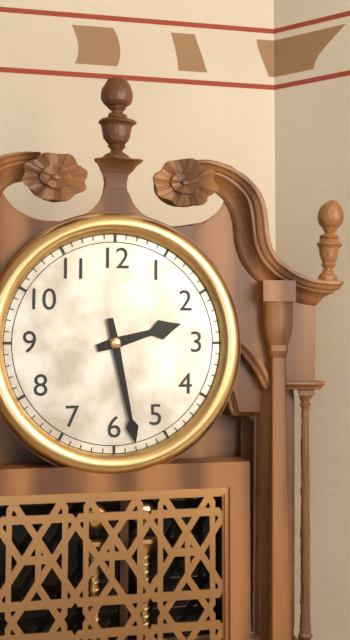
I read 2,28
